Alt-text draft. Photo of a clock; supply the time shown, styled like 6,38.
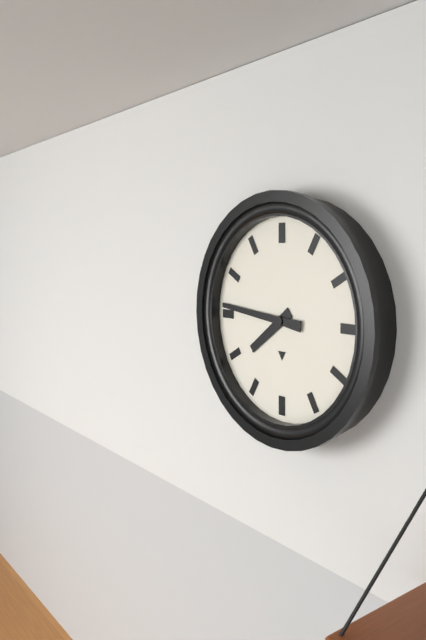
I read 7,46
